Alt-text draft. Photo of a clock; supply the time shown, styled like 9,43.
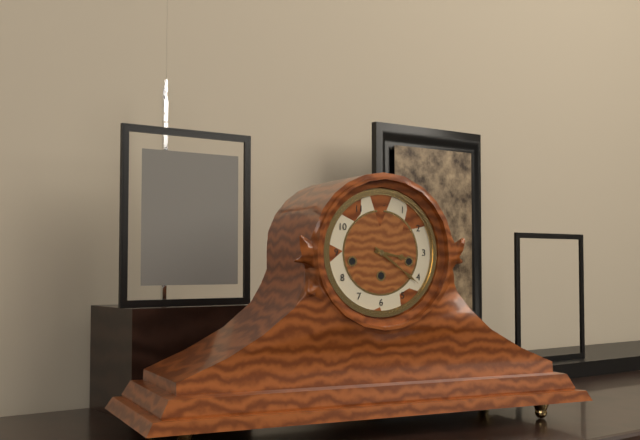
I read 3,21
